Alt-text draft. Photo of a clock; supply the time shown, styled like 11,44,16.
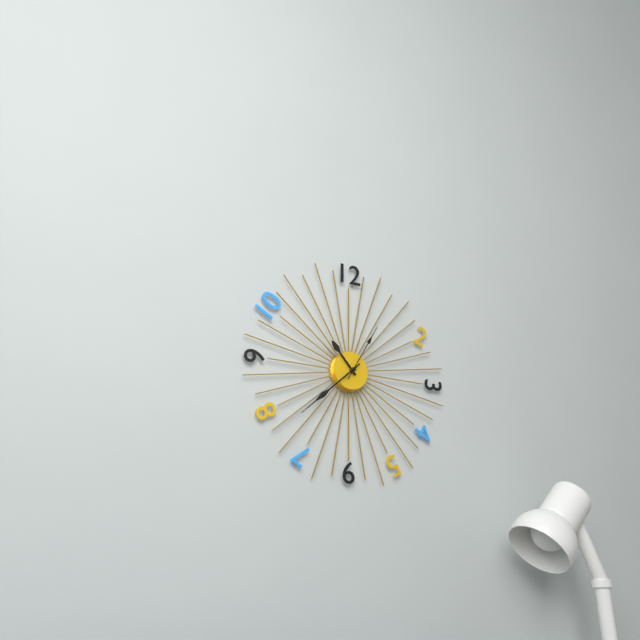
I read 10,38,05
